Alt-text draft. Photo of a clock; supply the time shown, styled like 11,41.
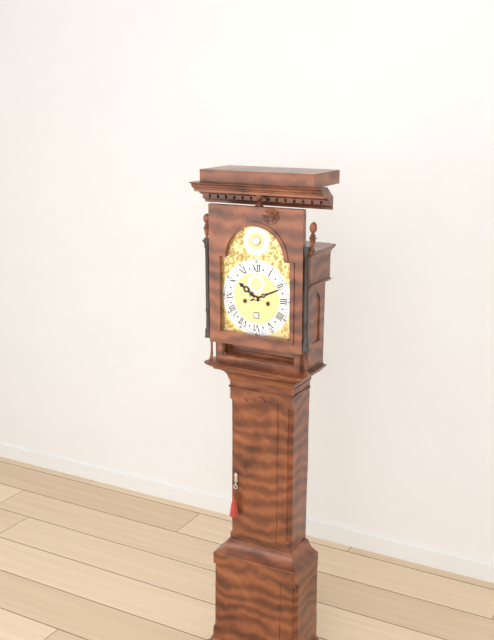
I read 10,11
